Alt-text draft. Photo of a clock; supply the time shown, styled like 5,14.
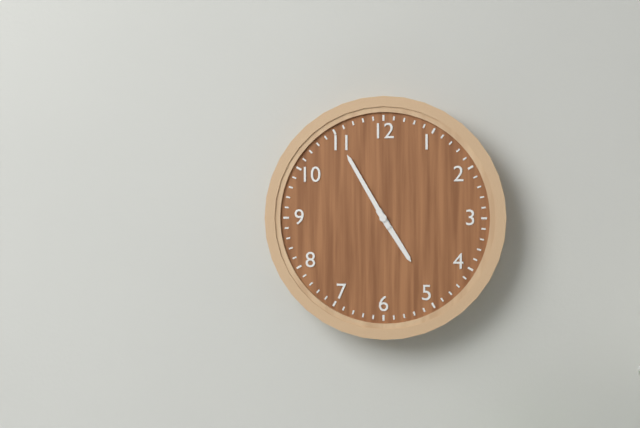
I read 4,55
